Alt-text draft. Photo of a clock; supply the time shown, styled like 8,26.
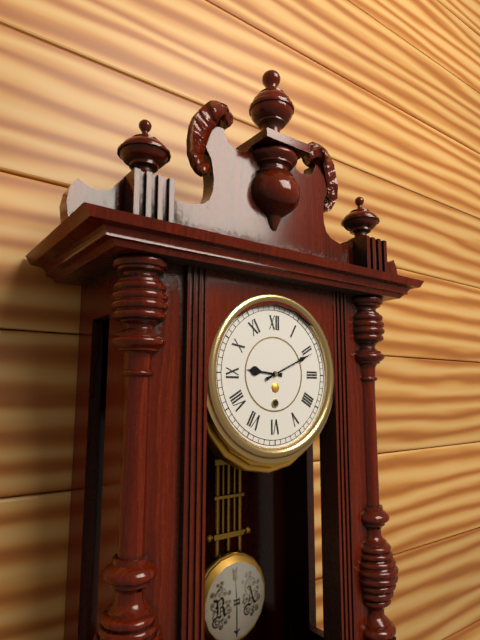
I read 9,11
